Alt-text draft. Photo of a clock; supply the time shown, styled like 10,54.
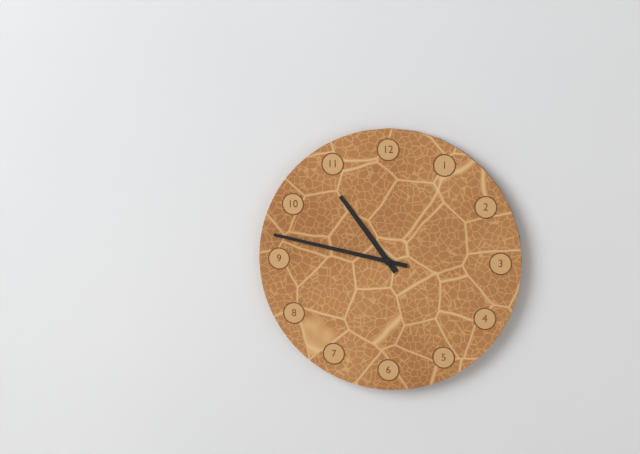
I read 10,47
